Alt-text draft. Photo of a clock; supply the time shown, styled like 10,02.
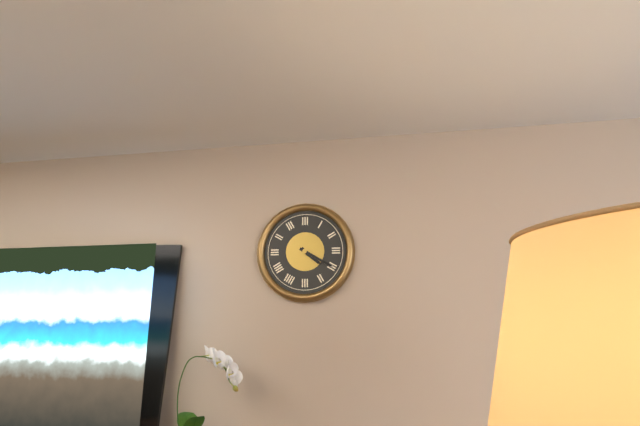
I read 4,20
